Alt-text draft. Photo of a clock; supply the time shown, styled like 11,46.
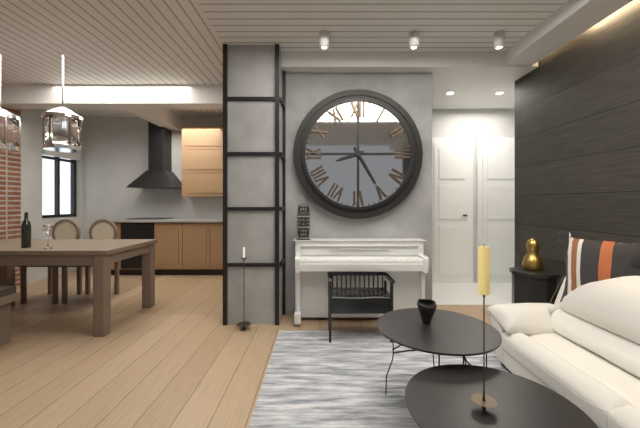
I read 8,25
